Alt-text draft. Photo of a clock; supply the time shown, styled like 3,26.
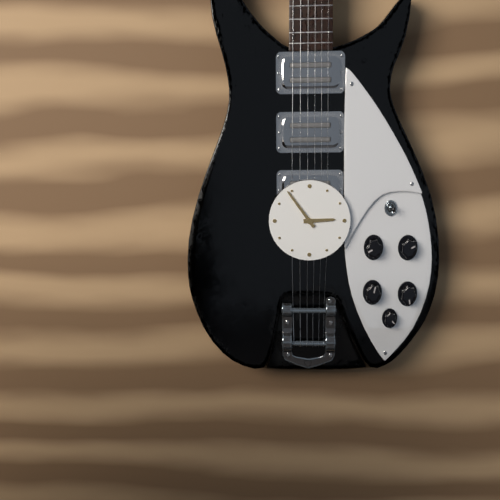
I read 2,54
